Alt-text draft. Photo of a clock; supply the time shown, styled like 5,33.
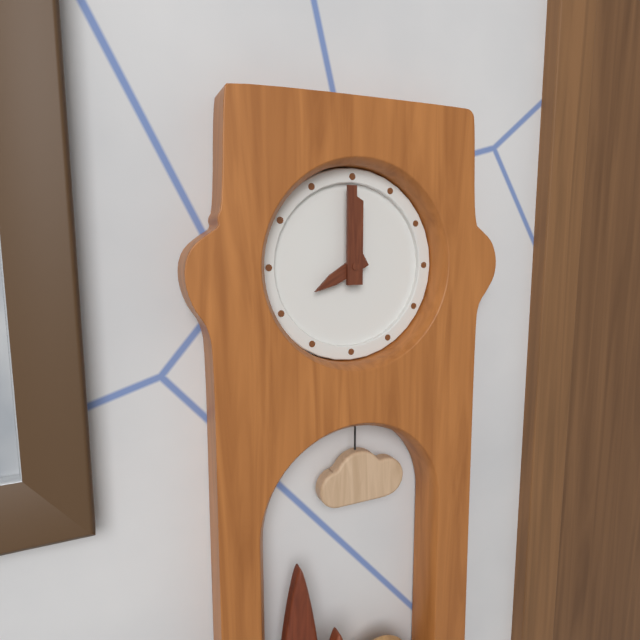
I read 8,00
